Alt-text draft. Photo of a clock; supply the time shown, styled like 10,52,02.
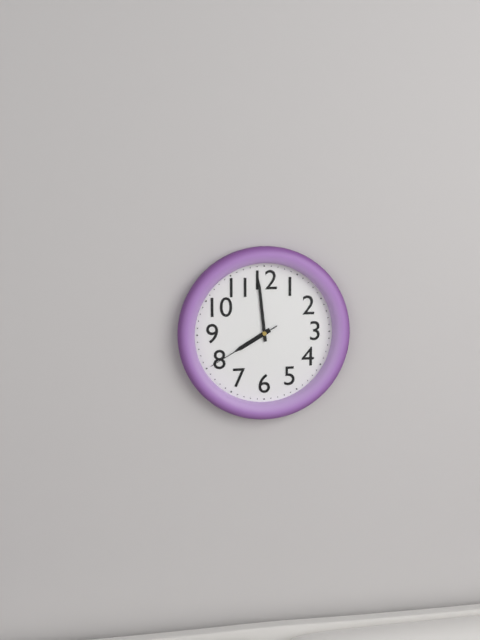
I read 7,59,40
